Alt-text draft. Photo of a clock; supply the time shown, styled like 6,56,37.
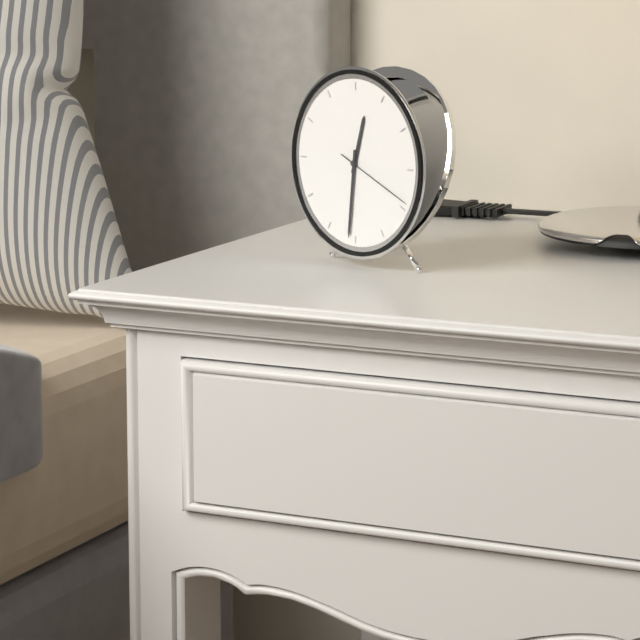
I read 12,31,19
